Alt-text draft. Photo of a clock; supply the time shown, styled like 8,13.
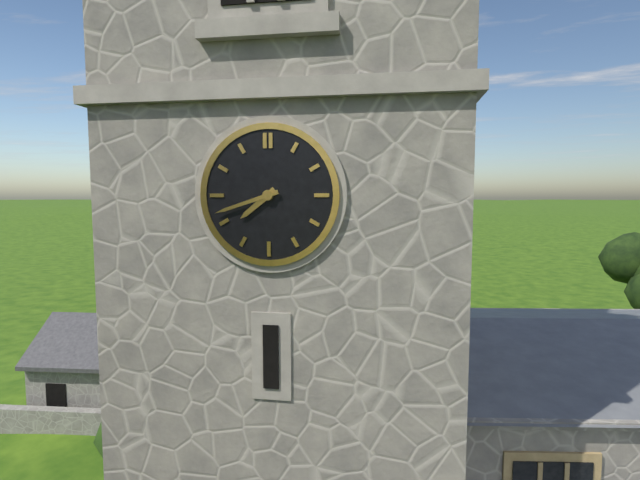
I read 7,42
